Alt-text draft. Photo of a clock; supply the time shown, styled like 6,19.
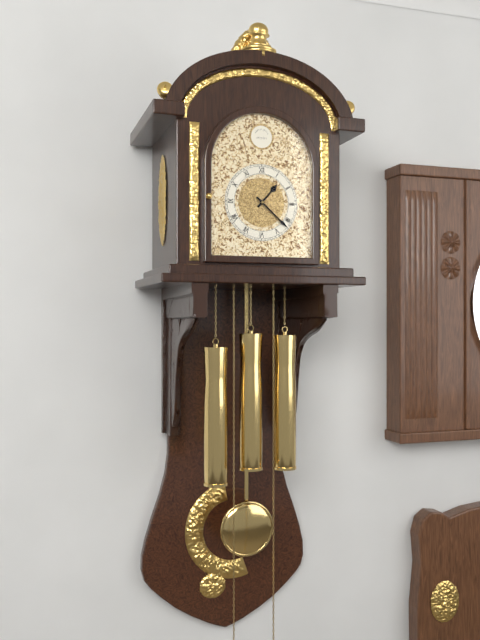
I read 1,22
